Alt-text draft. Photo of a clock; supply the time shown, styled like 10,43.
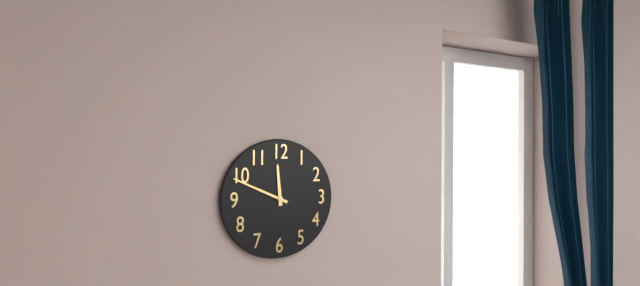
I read 11,49
